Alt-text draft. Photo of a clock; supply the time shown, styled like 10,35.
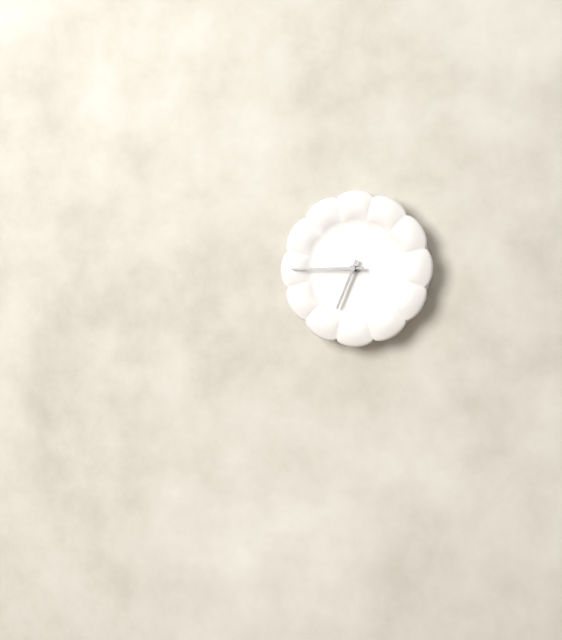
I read 6,45
